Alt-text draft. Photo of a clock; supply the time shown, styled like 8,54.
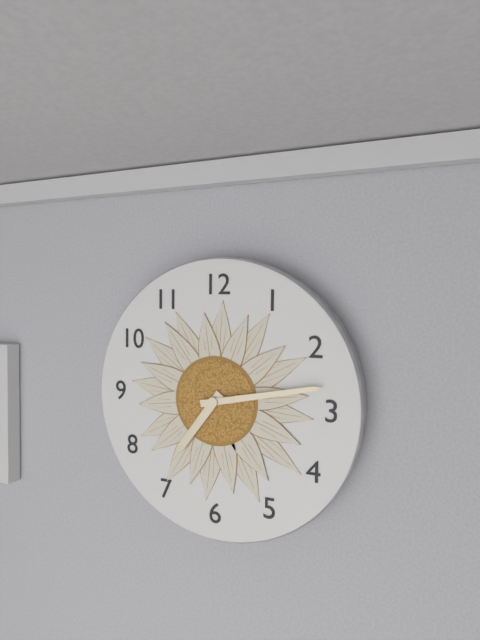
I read 7,13
